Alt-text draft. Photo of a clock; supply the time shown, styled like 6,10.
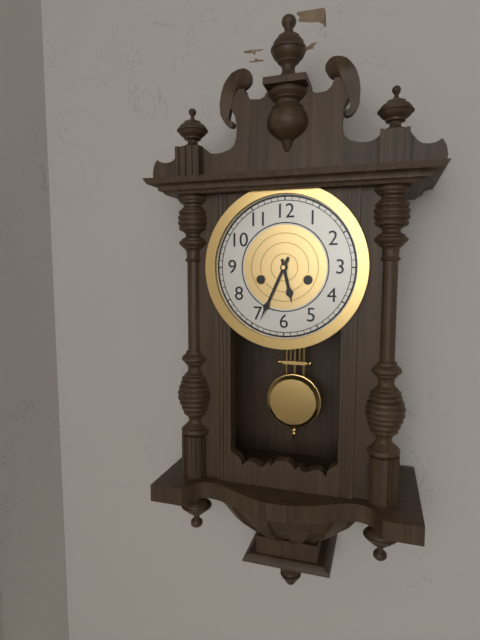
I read 5,34
